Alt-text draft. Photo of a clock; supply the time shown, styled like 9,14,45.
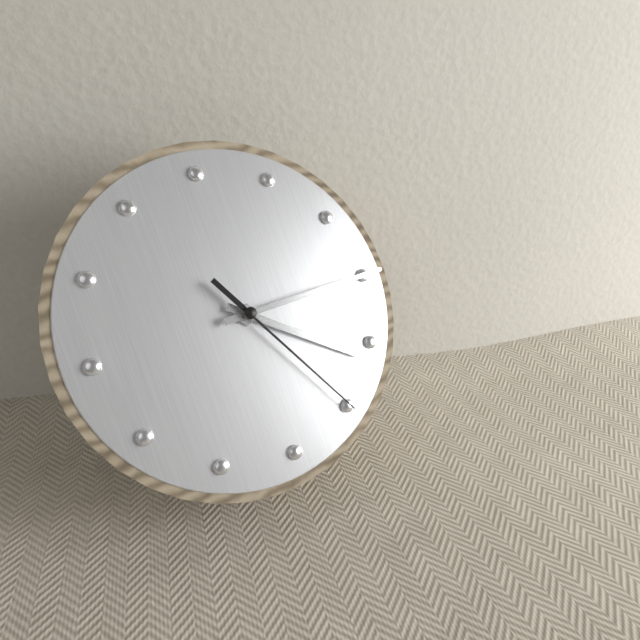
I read 4,15,25
